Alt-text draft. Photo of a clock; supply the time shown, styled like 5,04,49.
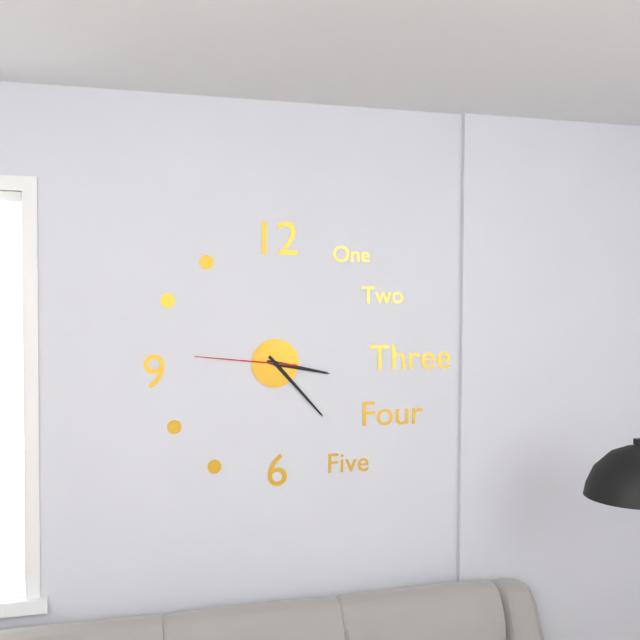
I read 3,23,46
